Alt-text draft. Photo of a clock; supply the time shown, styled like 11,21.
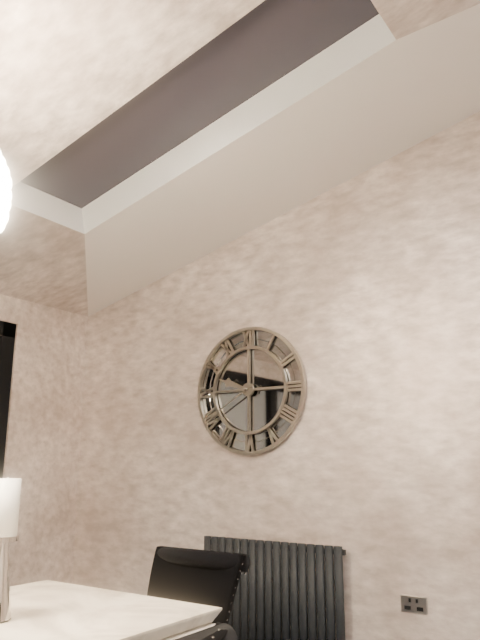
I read 9,40
